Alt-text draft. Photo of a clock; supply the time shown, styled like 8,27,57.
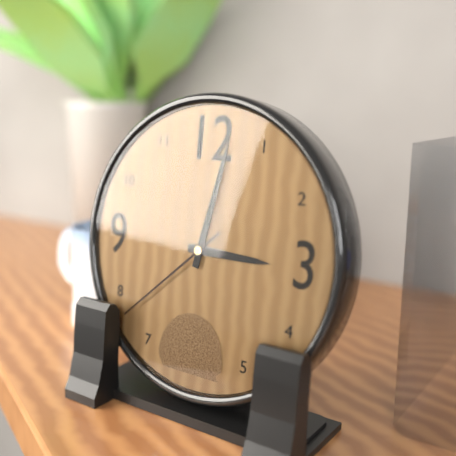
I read 3,02,38
